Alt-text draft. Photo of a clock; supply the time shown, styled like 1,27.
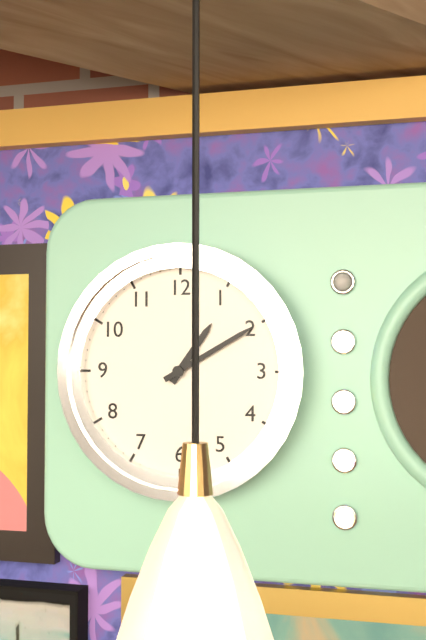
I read 1,10
